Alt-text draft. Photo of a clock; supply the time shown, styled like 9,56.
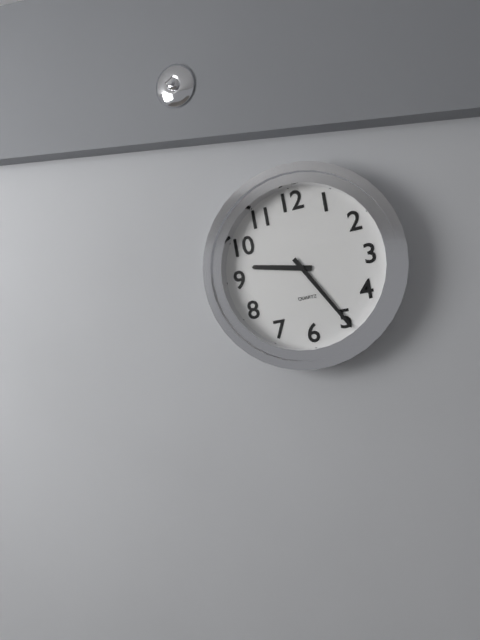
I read 9,25
